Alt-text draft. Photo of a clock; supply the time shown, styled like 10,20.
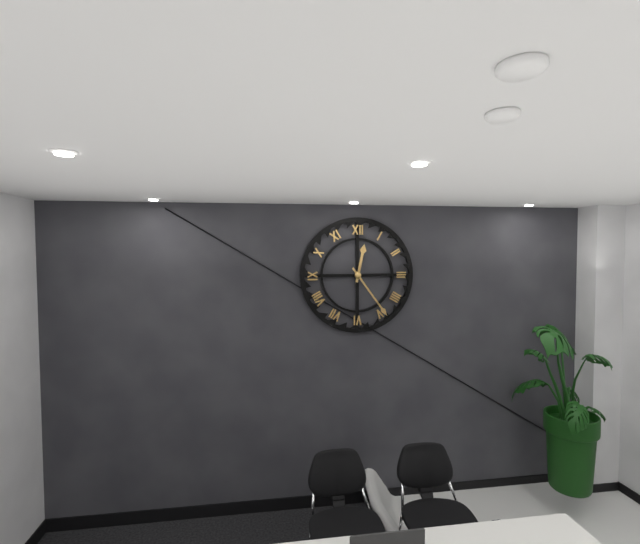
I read 12,24
